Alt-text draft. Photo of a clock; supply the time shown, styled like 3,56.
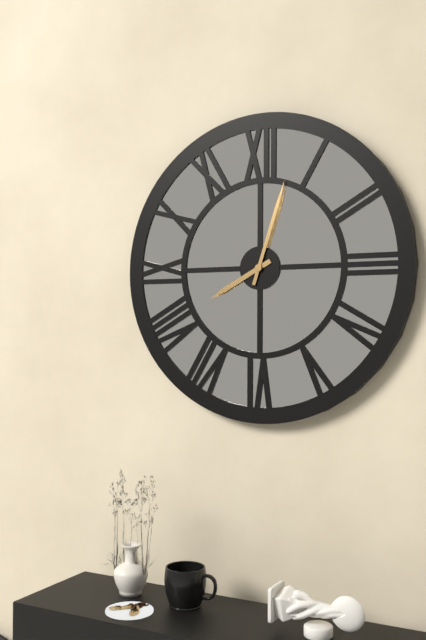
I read 8,03
